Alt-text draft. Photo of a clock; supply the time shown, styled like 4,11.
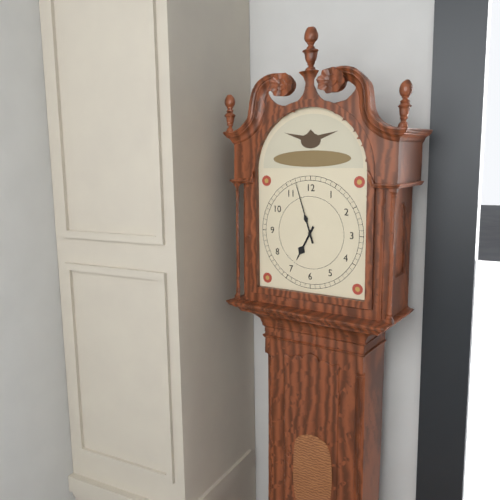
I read 6,57
